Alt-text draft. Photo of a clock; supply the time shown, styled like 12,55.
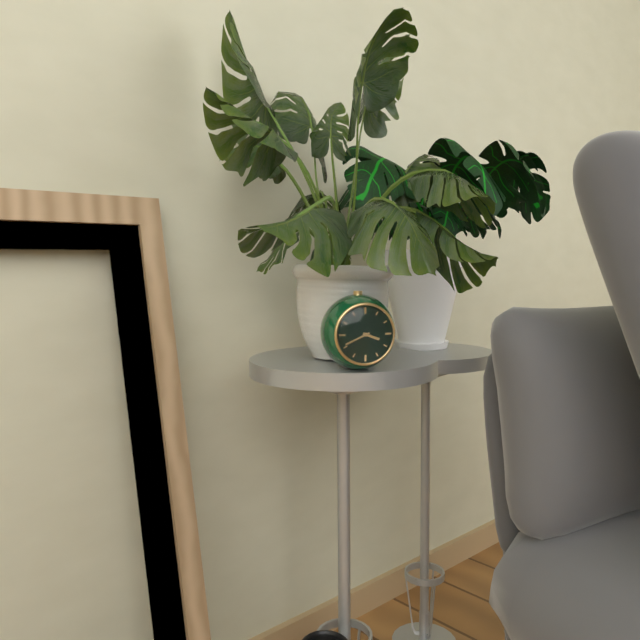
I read 3,41
